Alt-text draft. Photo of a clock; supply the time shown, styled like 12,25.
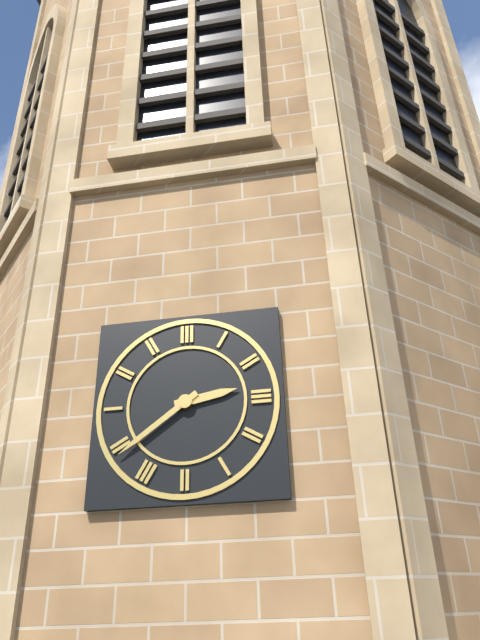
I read 2,39
